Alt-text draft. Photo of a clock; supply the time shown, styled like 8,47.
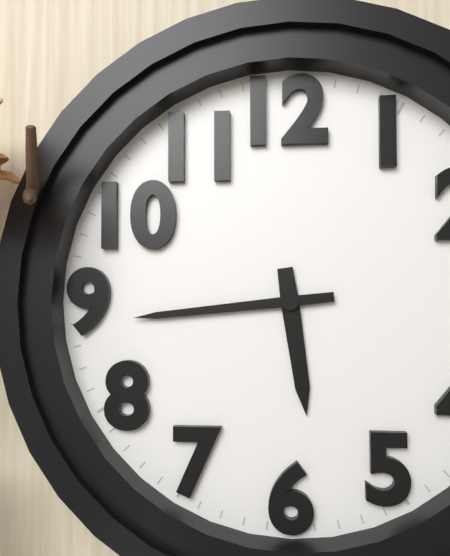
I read 5,44
